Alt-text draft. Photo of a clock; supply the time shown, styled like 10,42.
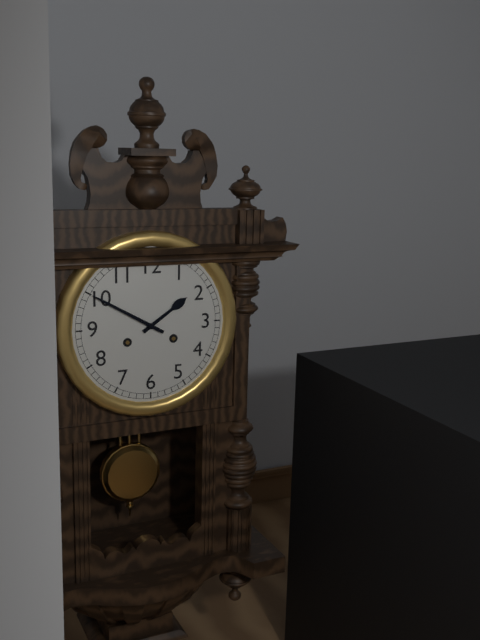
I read 1,50
